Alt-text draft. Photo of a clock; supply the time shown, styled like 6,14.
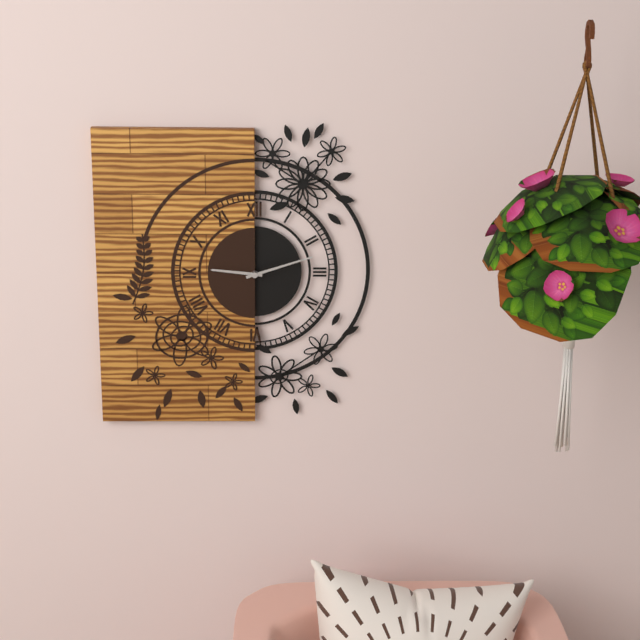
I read 9,12
